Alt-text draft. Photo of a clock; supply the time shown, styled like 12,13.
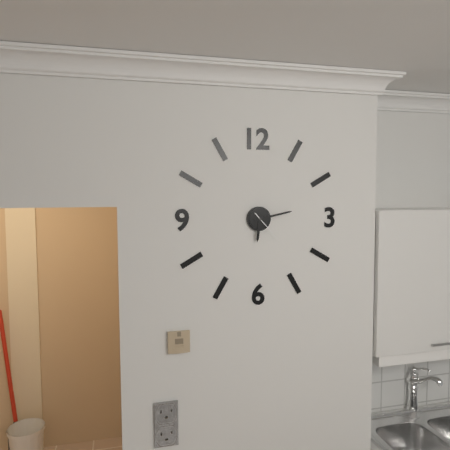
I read 6,13
